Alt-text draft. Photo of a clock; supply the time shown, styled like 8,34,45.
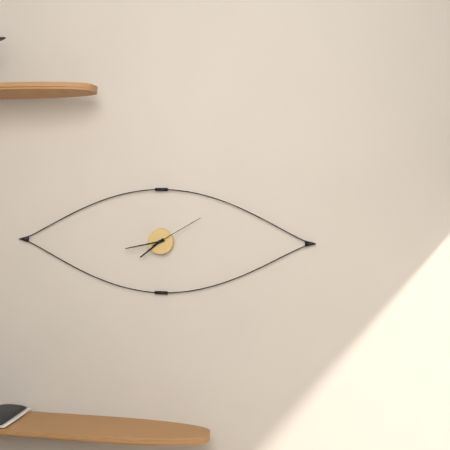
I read 7,43,10
